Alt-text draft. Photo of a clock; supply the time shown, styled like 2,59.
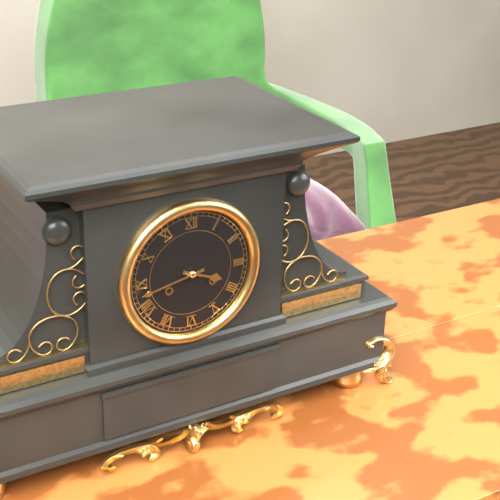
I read 3,43
